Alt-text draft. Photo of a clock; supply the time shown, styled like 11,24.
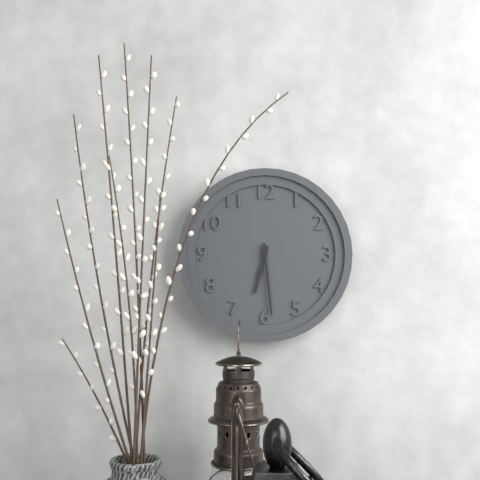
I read 6,29
